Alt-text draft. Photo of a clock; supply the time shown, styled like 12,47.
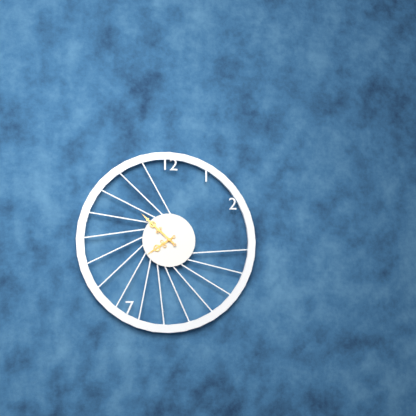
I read 7,52
